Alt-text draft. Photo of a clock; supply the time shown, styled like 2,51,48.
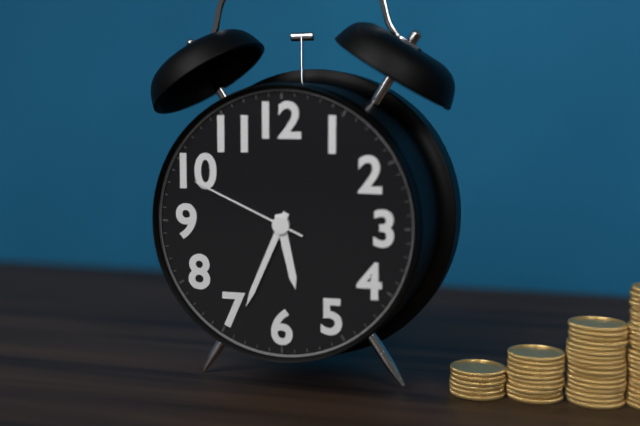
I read 5,34,49
